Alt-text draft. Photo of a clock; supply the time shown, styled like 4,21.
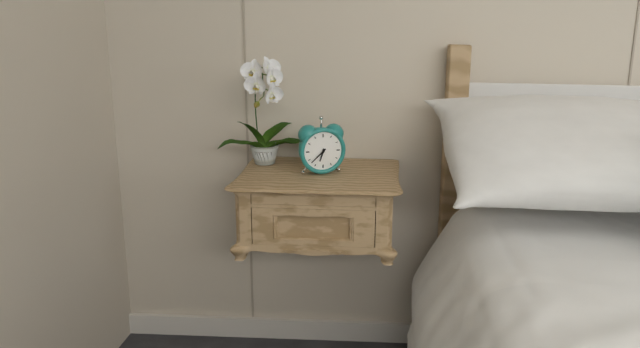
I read 6,38
